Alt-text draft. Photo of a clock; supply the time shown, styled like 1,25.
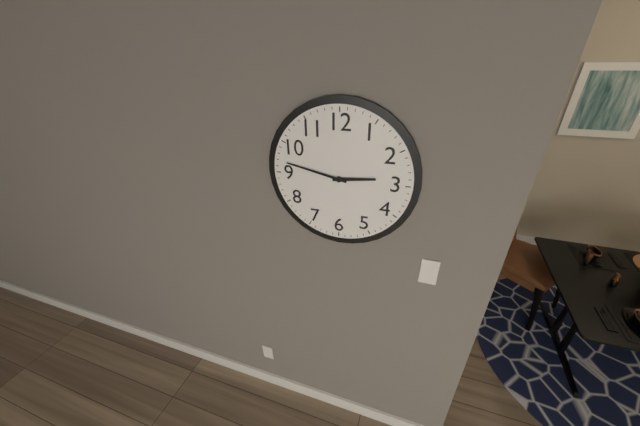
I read 2,47
